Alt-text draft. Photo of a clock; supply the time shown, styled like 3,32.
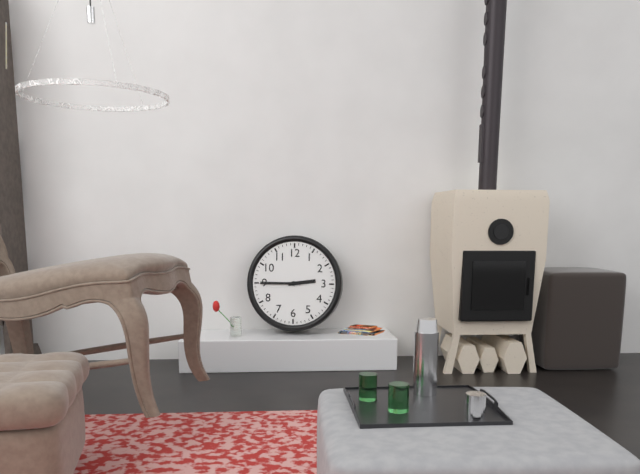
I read 2,45
